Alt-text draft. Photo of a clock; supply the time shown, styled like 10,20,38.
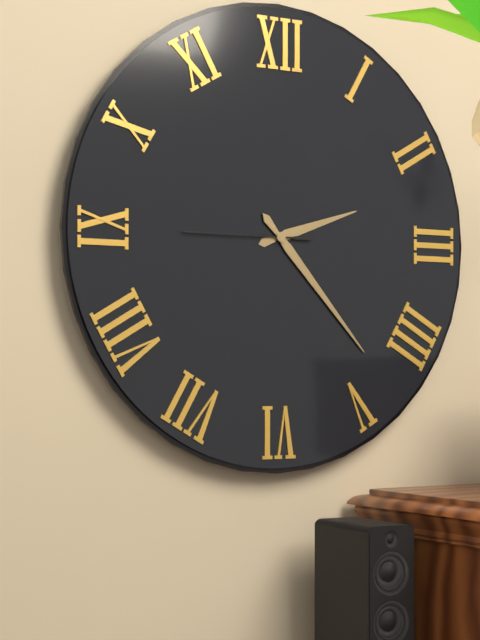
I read 2,23,45
